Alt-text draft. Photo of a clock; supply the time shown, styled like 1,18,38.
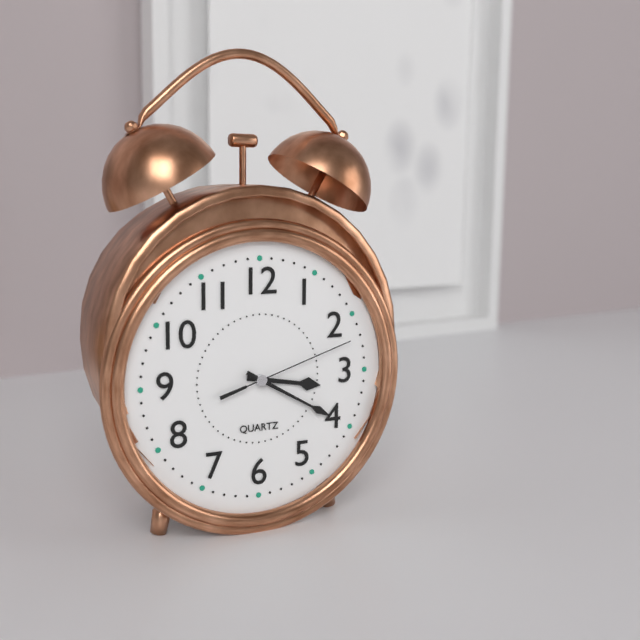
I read 3,20,12
